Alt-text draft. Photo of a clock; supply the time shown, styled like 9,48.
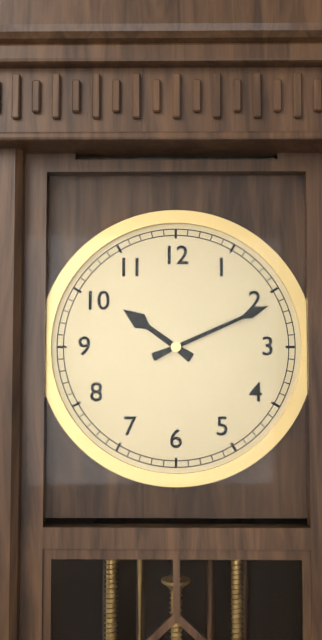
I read 10,11
